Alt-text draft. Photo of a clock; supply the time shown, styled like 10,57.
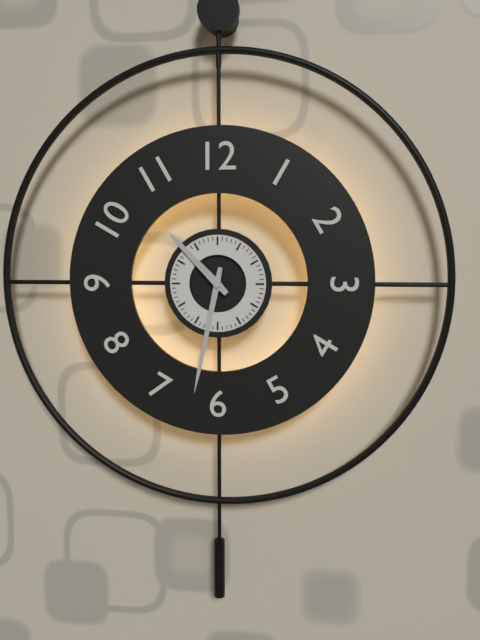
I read 10,32
